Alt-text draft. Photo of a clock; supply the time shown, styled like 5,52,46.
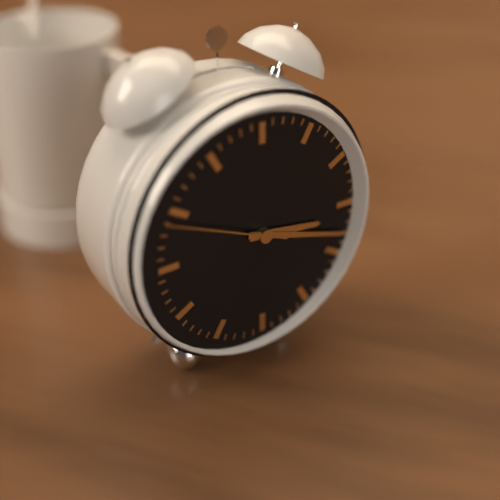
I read 3,18,49
